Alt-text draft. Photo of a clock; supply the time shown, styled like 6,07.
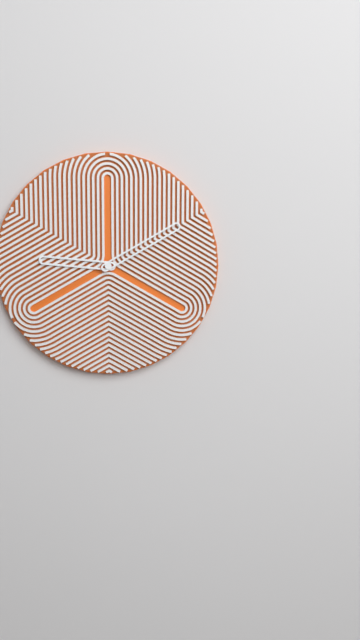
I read 9,10
